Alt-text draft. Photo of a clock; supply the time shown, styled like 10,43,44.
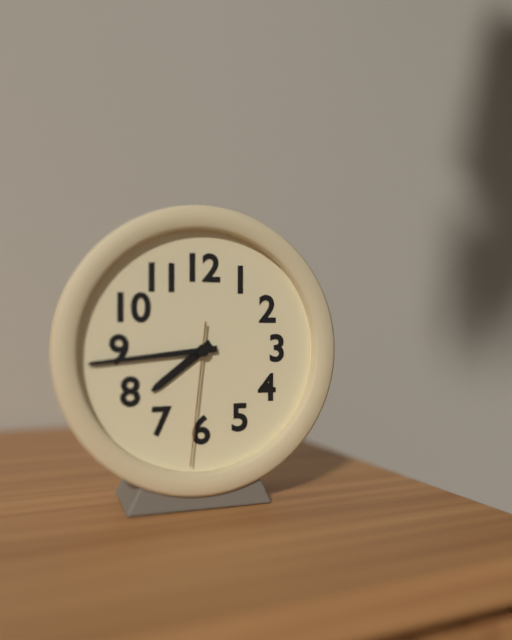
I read 7,44,31
